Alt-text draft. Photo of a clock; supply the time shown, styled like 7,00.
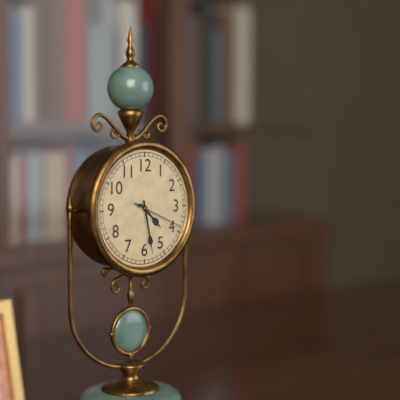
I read 4,28
